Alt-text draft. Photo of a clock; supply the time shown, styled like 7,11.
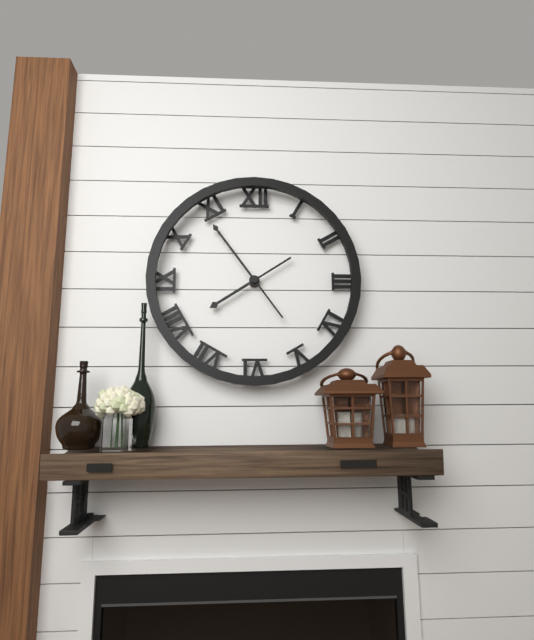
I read 7,54
